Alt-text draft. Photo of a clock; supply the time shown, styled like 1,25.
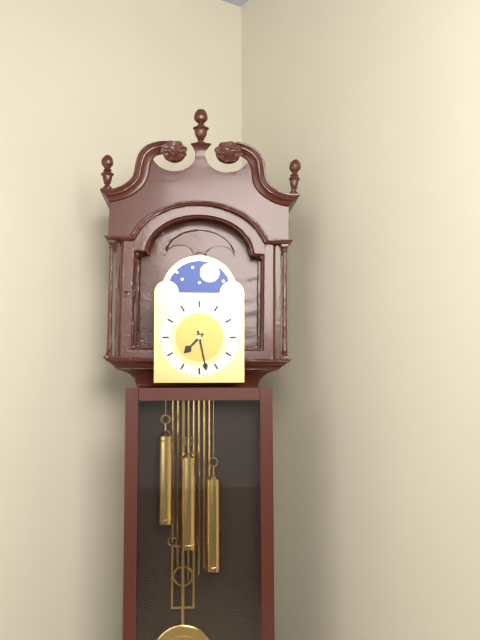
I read 7,28
